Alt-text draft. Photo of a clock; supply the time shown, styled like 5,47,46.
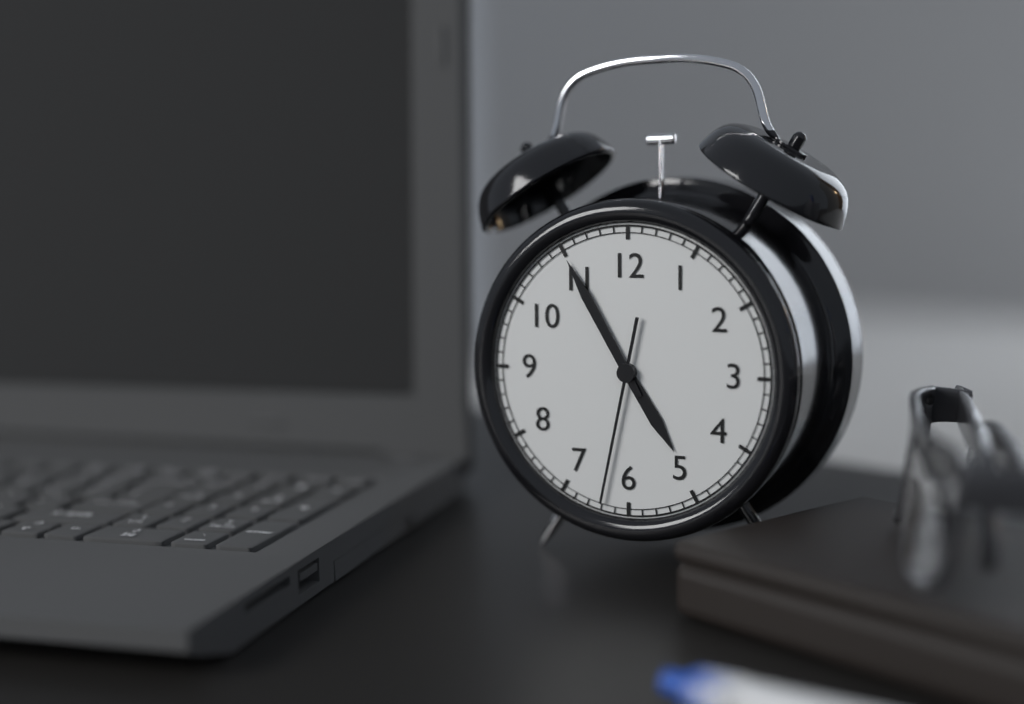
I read 4,55,32
